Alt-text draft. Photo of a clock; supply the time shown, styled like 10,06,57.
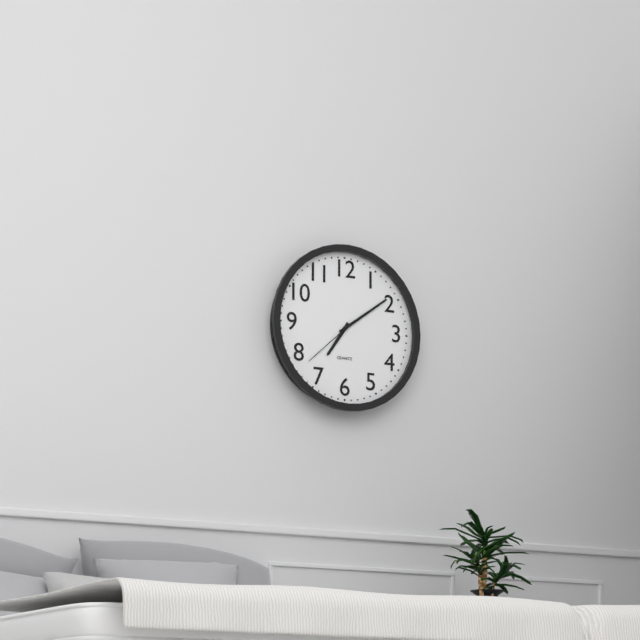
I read 7,09,38
